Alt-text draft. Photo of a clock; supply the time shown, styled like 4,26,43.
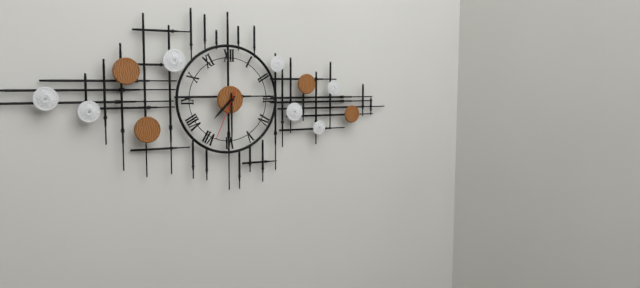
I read 7,30,34
